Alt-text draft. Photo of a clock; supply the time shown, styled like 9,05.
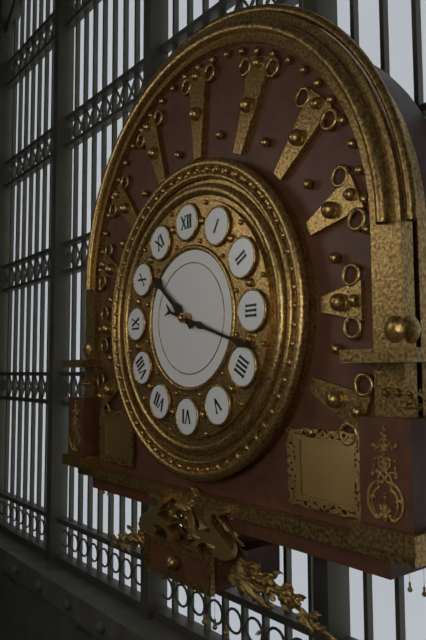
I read 10,18
